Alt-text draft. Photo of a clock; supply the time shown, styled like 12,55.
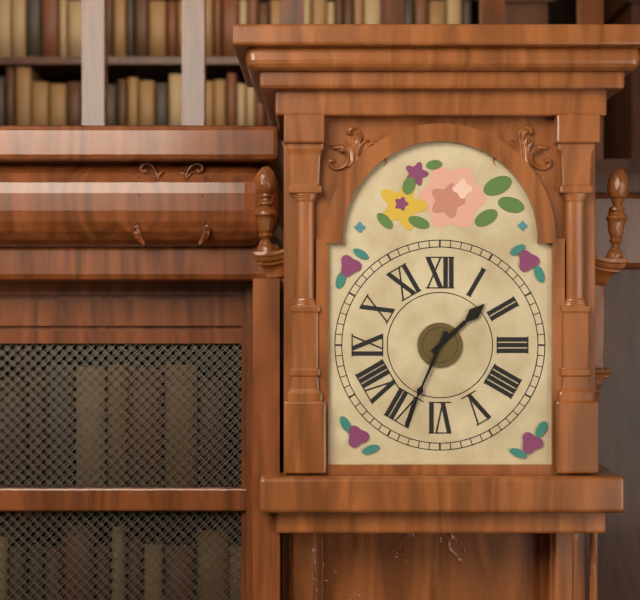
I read 1,34
